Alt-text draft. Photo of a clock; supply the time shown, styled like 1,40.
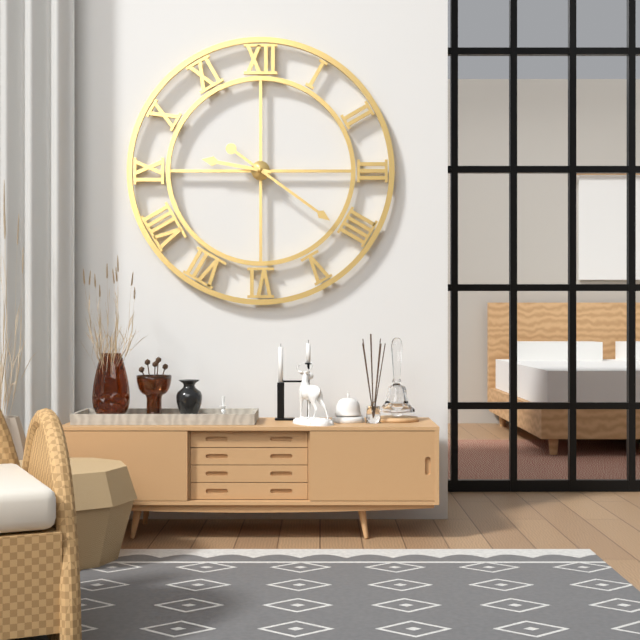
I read 9,21
